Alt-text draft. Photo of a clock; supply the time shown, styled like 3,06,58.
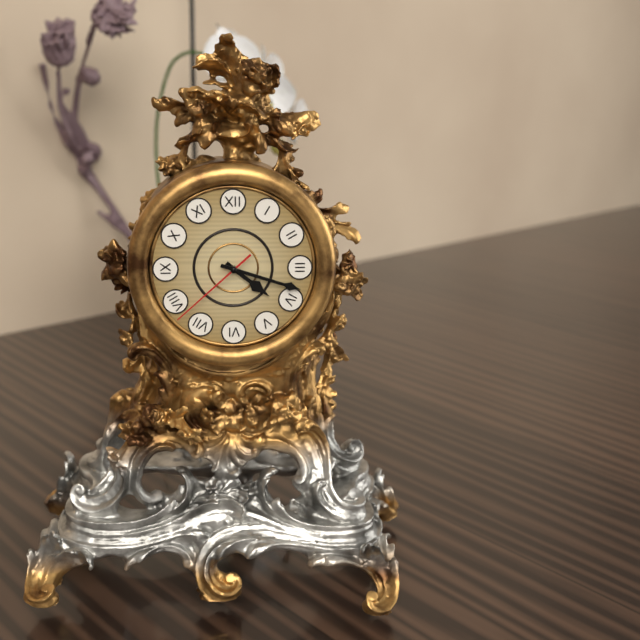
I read 4,18,38
